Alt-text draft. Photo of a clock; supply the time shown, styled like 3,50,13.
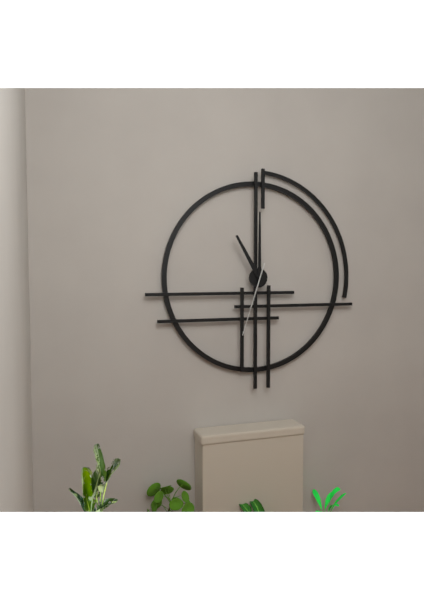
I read 11,00,33
